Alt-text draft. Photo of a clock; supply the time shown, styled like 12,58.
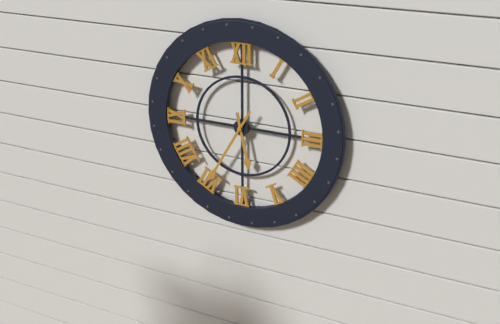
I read 5,35
